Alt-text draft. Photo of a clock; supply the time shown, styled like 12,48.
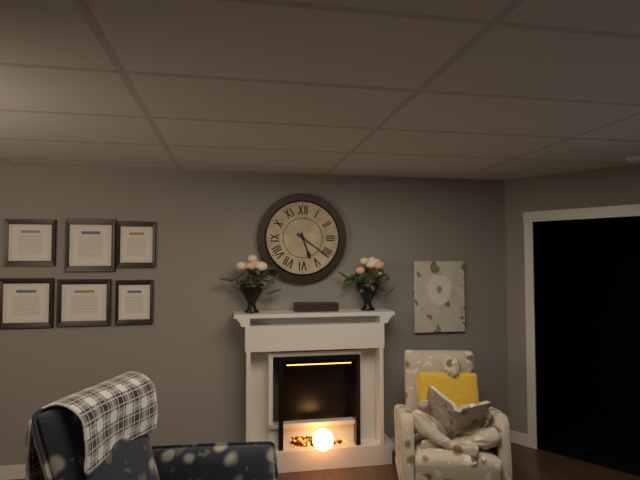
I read 5,21
